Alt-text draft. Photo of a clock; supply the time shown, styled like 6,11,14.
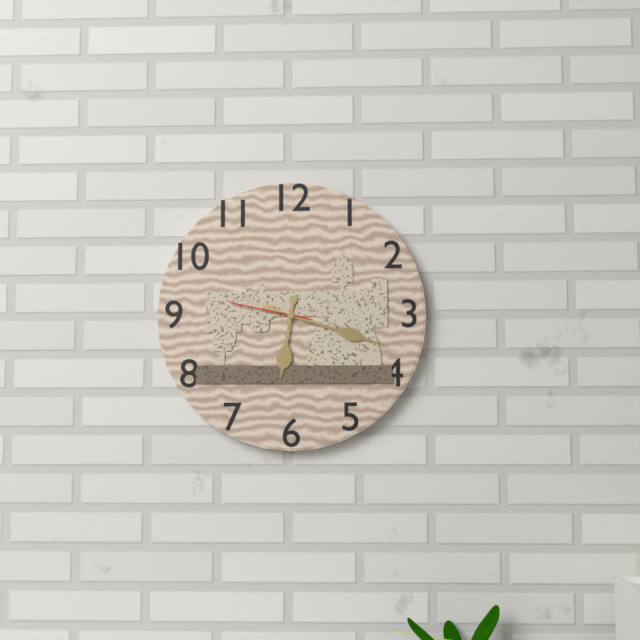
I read 6,18,47
